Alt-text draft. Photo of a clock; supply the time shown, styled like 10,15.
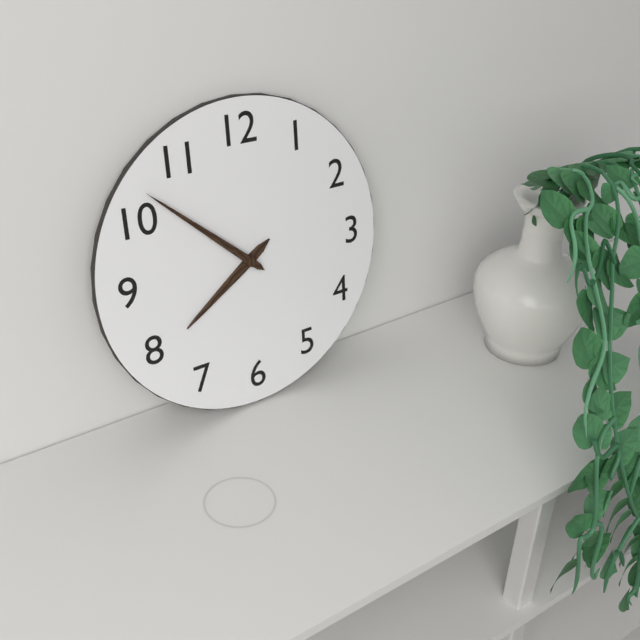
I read 7,52
